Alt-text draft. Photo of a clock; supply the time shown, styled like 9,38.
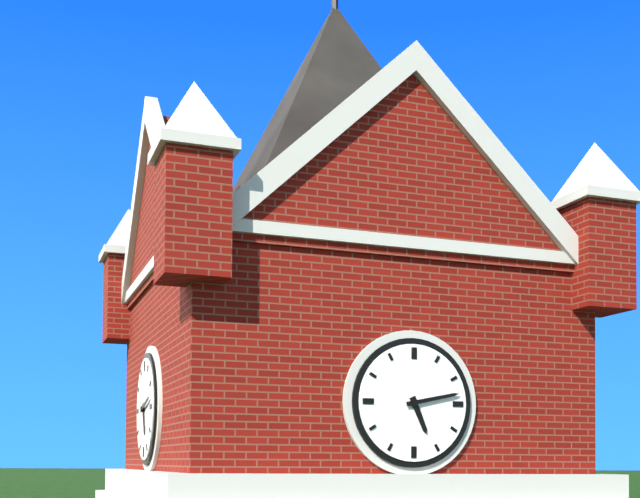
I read 5,13
